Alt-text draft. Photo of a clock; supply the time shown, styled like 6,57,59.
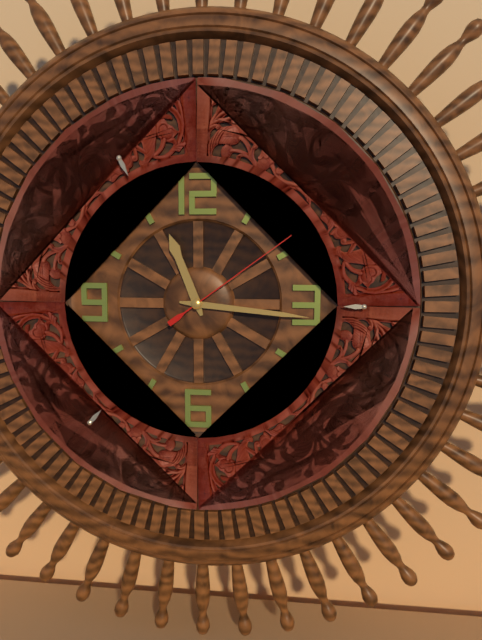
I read 11,16,09
